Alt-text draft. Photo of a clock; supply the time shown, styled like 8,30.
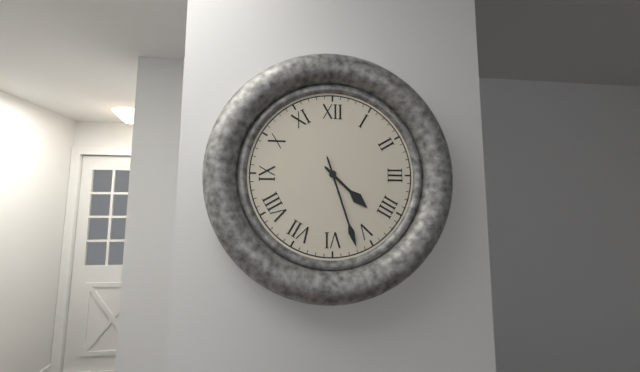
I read 4,27
